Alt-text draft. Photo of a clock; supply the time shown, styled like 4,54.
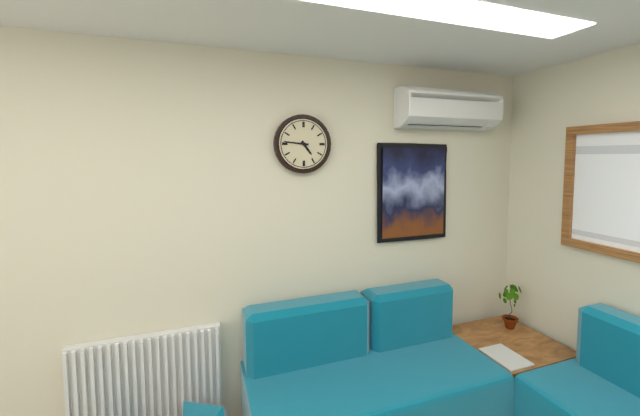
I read 4,46
